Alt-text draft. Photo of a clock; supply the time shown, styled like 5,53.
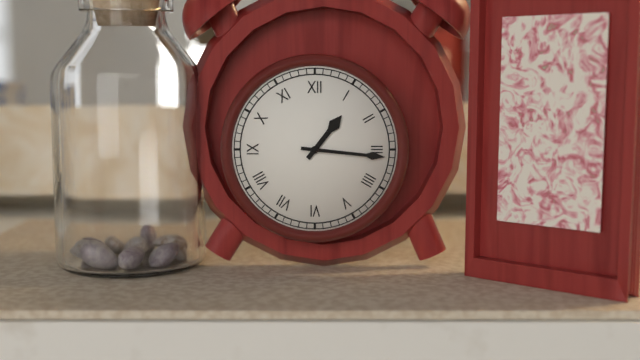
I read 1,16
